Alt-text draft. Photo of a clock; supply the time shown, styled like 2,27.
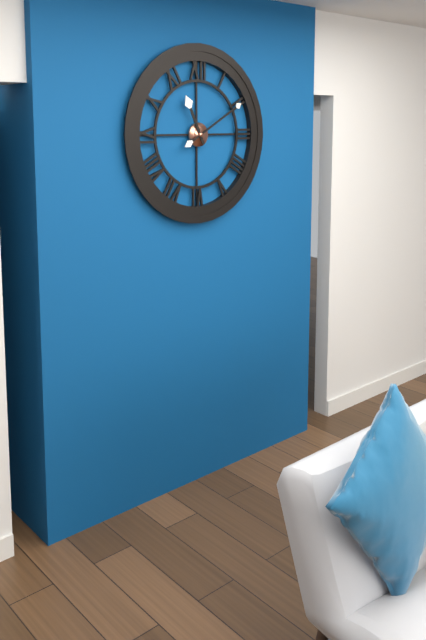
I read 11,10
